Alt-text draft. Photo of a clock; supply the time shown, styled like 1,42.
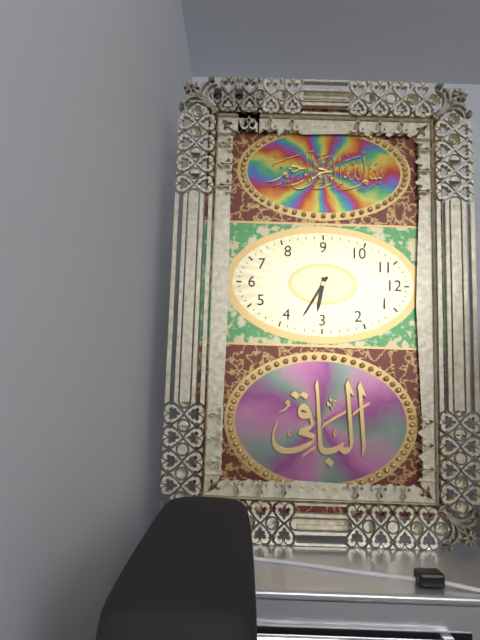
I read 3,20
